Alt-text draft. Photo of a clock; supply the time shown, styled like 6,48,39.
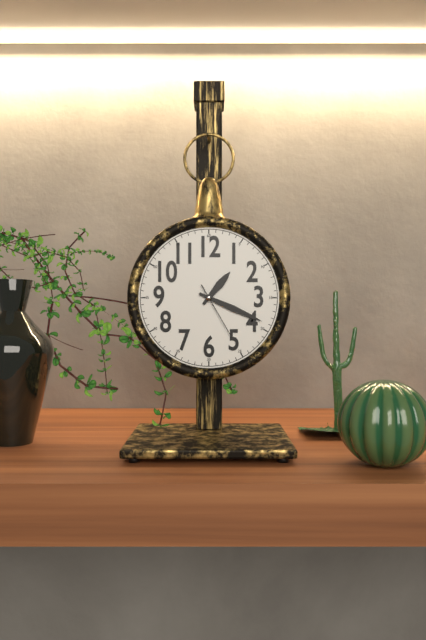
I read 1,19,25
